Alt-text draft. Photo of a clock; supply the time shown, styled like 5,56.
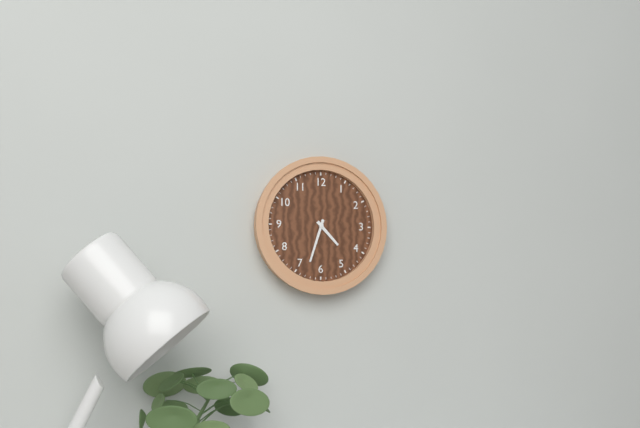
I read 4,33
